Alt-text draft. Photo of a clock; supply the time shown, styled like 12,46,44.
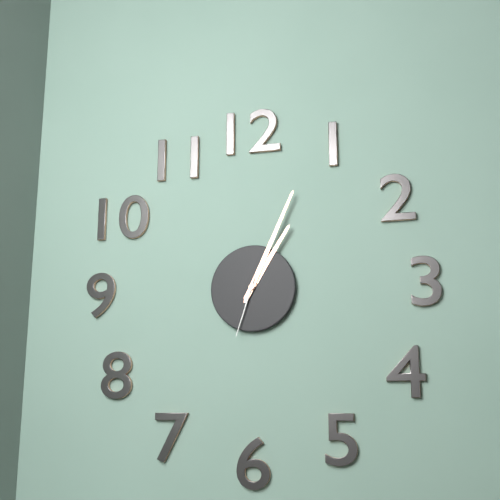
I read 1,04,33
